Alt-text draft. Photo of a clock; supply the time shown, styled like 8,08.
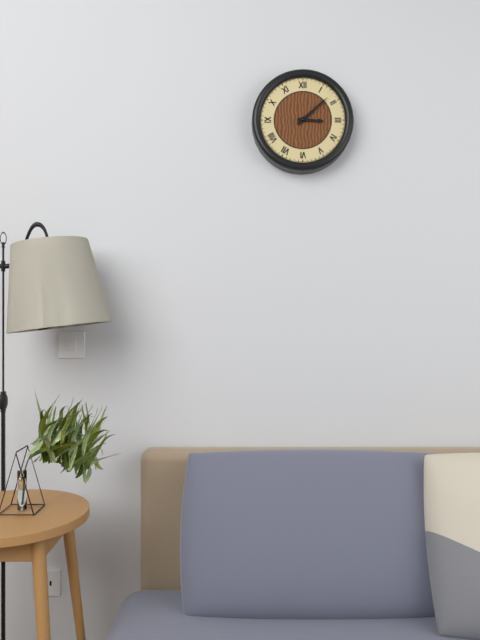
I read 3,08
